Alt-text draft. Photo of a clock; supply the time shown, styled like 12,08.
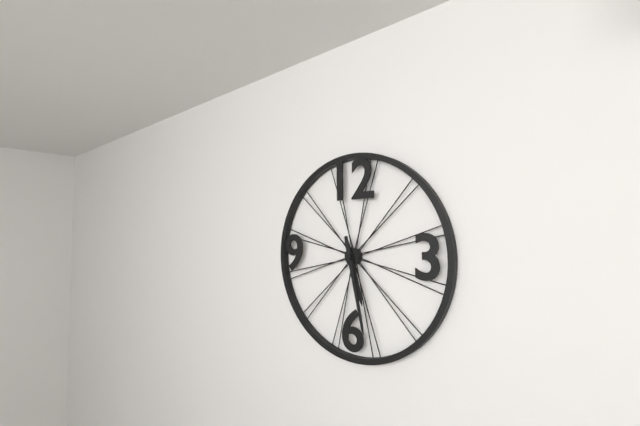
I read 5,28
